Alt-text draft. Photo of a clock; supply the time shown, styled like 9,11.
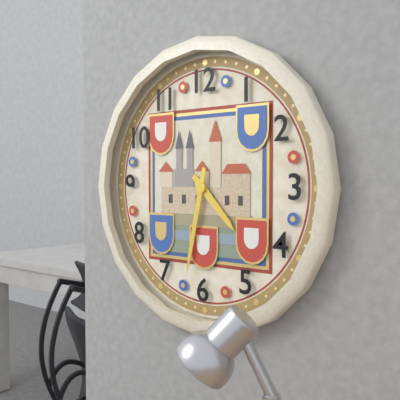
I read 4,32
